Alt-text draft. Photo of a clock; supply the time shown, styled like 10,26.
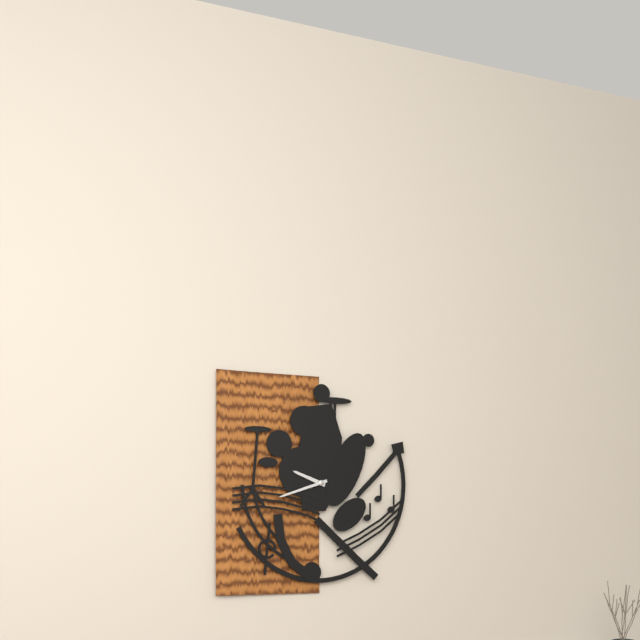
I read 9,42
